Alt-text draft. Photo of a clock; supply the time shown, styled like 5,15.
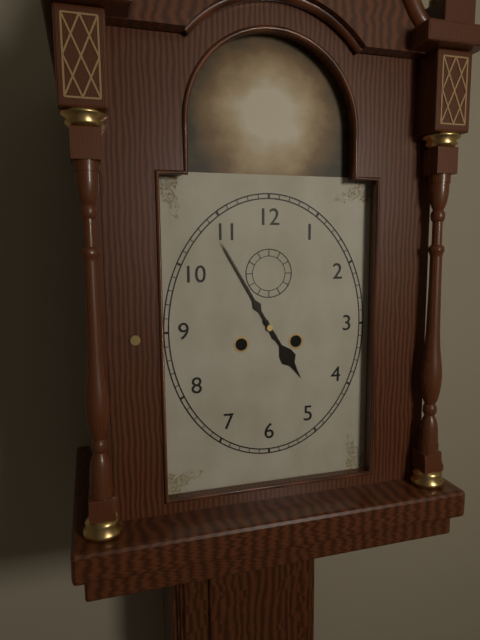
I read 4,55
